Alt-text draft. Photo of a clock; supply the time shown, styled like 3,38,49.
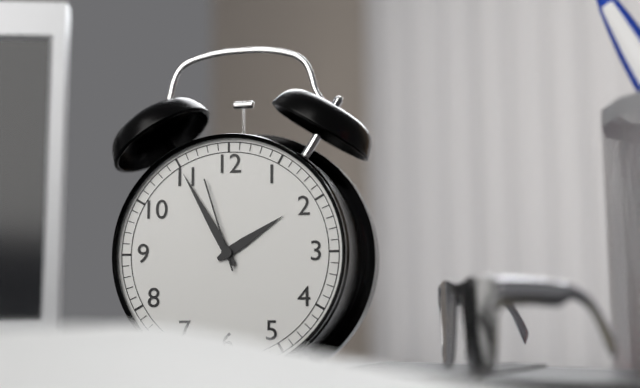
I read 1,55,57
